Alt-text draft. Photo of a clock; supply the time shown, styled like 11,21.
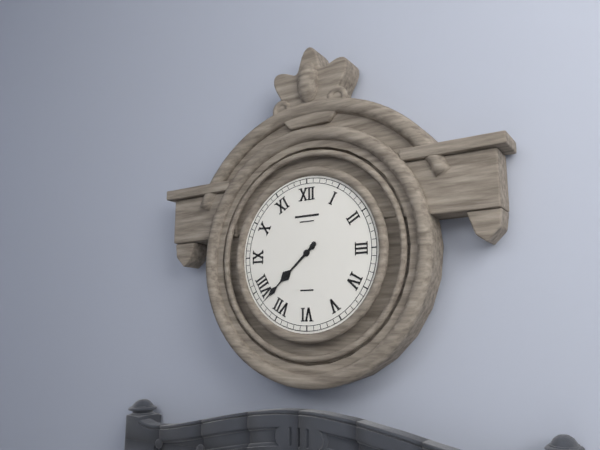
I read 7,38
